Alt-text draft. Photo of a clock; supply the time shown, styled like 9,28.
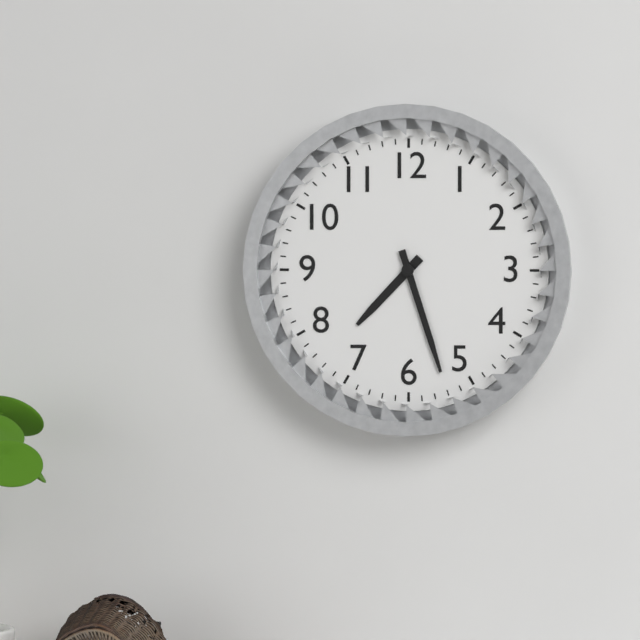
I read 7,27
